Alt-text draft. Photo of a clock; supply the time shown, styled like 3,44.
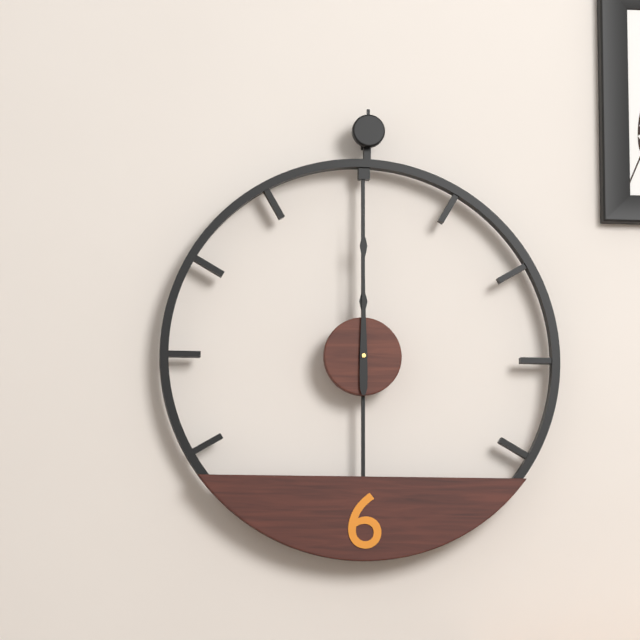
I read 12,00
